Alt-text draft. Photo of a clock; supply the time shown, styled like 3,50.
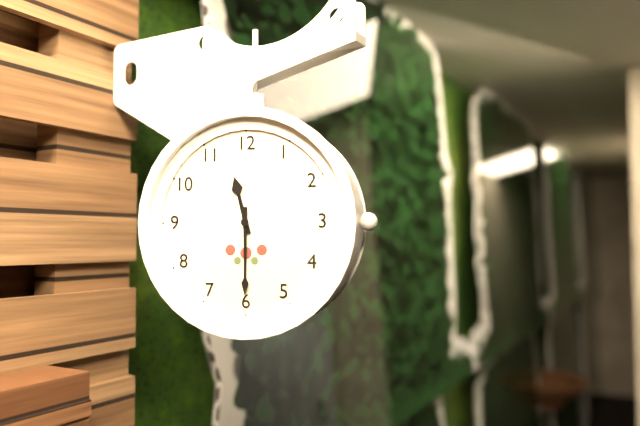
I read 11,30
